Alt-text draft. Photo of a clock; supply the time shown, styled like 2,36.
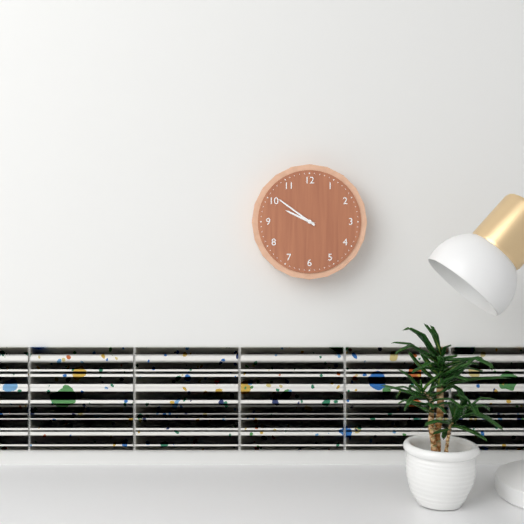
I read 9,51
